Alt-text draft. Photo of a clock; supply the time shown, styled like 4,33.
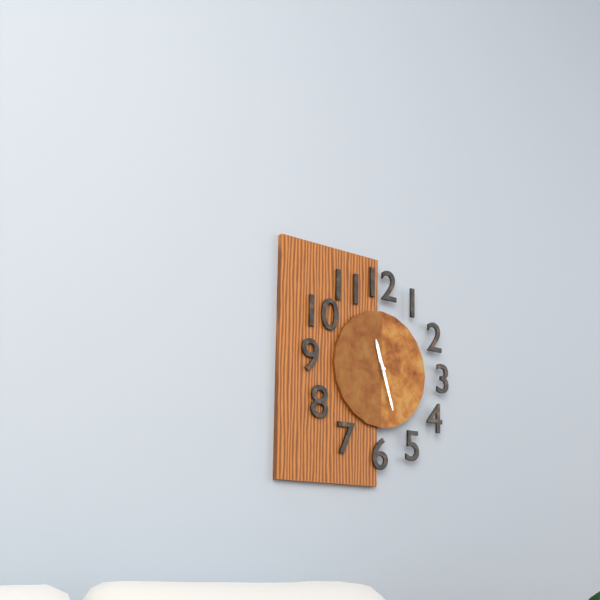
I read 11,27
